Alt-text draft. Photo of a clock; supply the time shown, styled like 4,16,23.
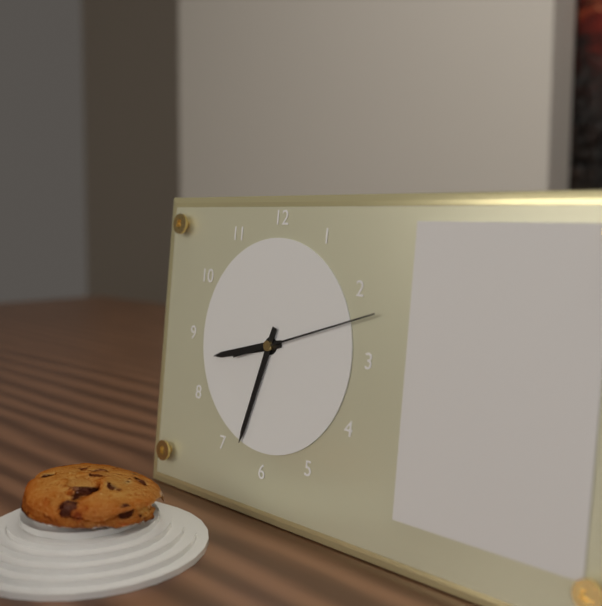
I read 8,33,12
